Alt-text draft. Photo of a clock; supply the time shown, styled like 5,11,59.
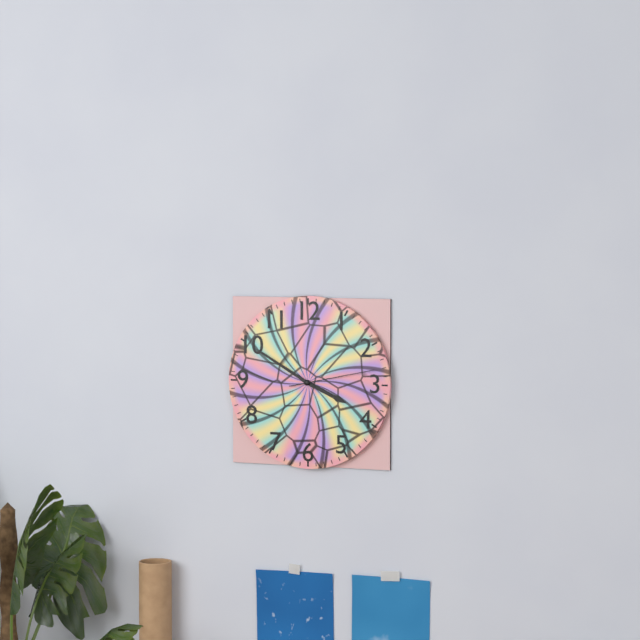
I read 3,50,13
